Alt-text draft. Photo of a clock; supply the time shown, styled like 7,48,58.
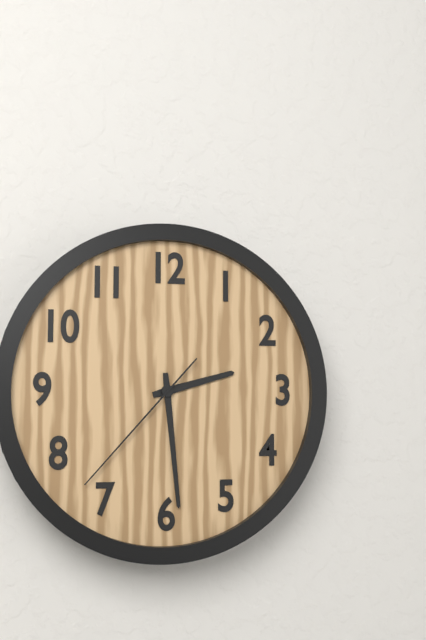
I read 2,29,37
